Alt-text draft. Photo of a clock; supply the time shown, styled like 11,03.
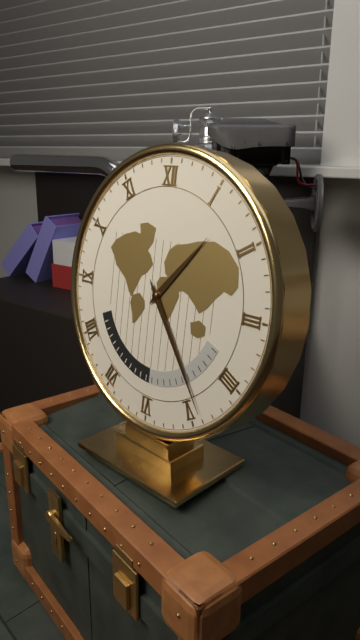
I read 1,24
